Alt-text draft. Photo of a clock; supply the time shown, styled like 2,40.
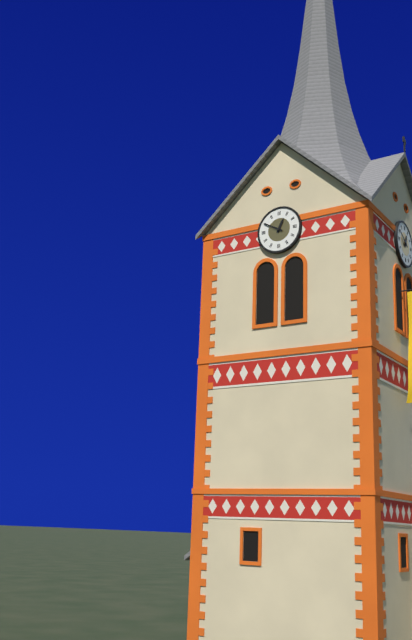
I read 12,50
